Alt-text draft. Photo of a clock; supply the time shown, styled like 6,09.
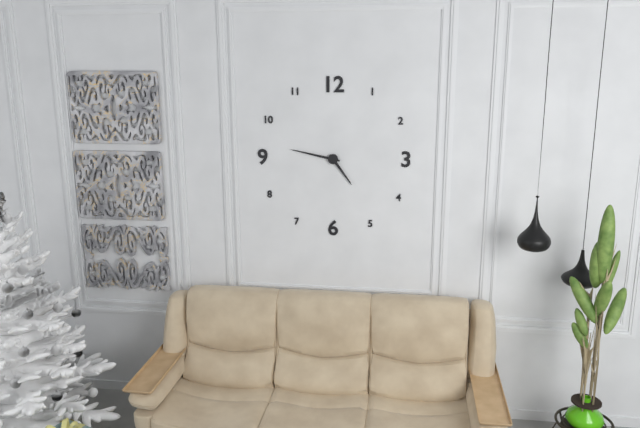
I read 4,47
